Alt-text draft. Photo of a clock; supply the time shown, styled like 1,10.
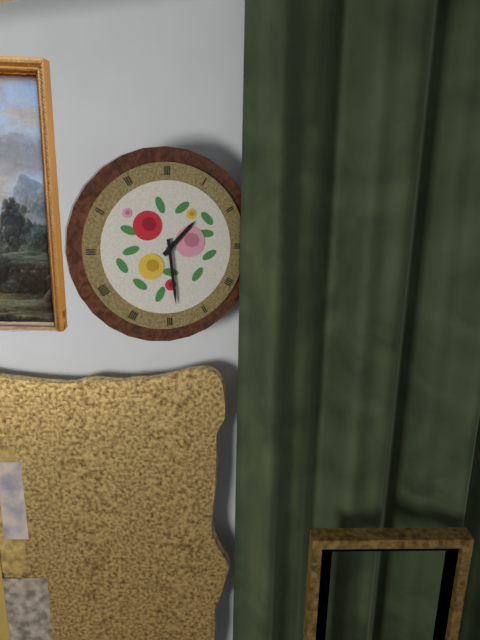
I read 1,29
